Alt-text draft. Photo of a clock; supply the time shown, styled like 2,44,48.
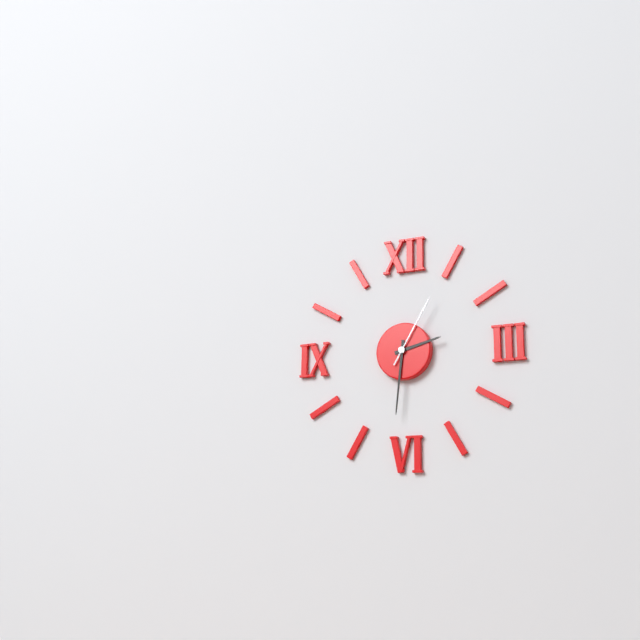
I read 2,31,05
